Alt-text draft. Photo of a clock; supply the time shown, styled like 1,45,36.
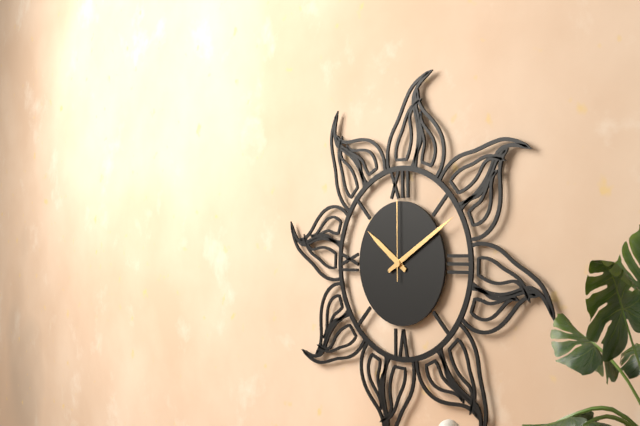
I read 10,10,00
